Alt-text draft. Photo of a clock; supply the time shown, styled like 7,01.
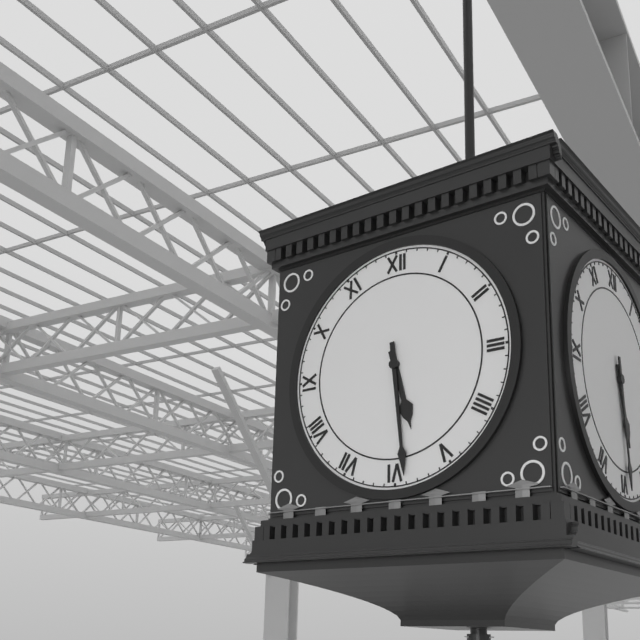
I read 5,29
